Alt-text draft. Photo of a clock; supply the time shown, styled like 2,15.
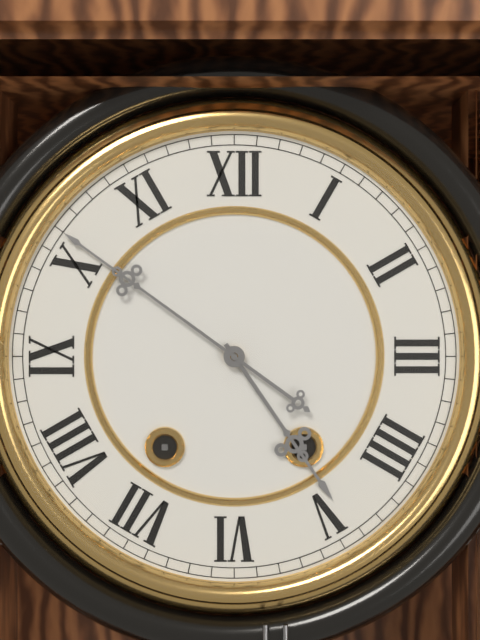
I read 4,51
